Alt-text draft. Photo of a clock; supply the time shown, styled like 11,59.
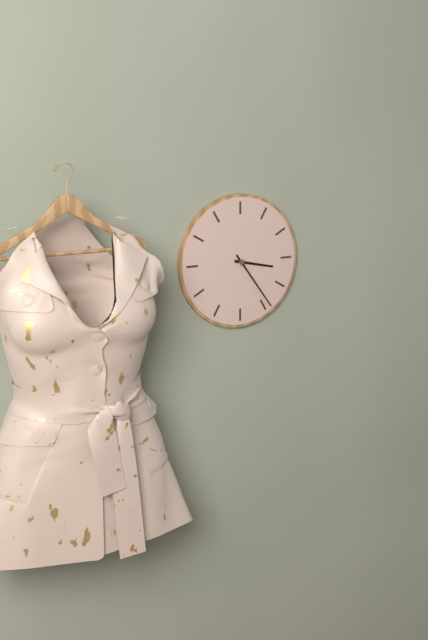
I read 3,24
